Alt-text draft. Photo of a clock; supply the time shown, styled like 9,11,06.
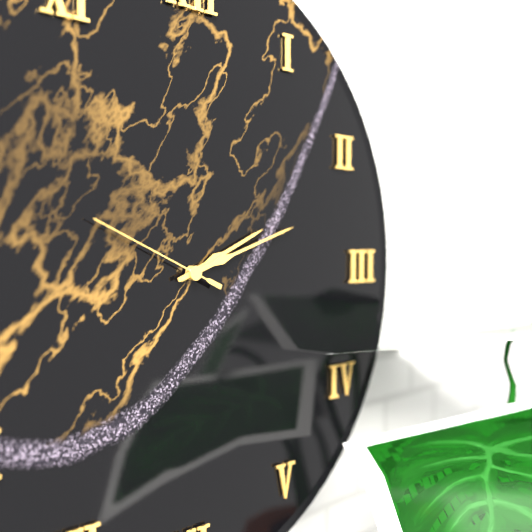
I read 2,12,49
